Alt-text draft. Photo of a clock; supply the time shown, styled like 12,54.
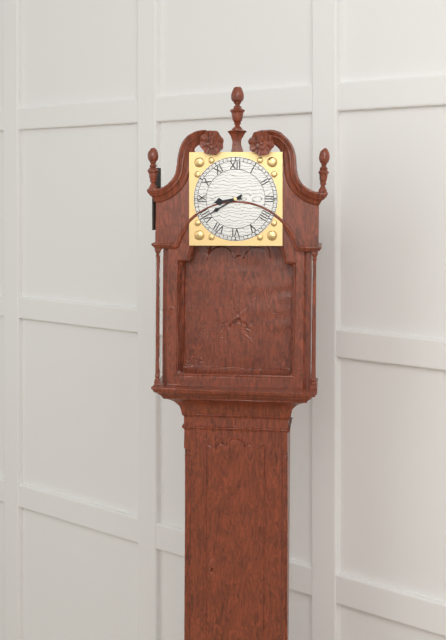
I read 8,40
